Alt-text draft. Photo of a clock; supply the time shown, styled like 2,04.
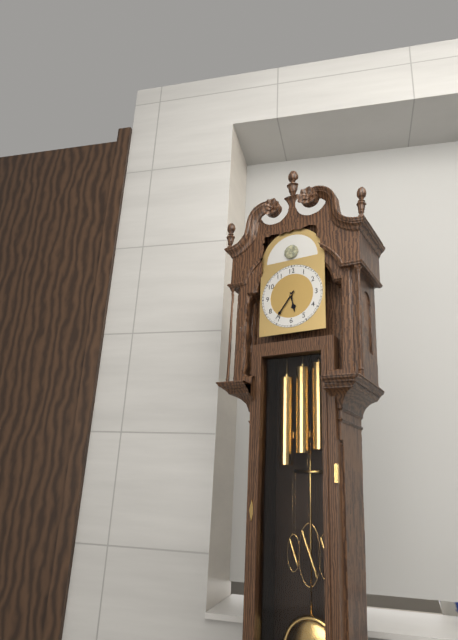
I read 5,36
